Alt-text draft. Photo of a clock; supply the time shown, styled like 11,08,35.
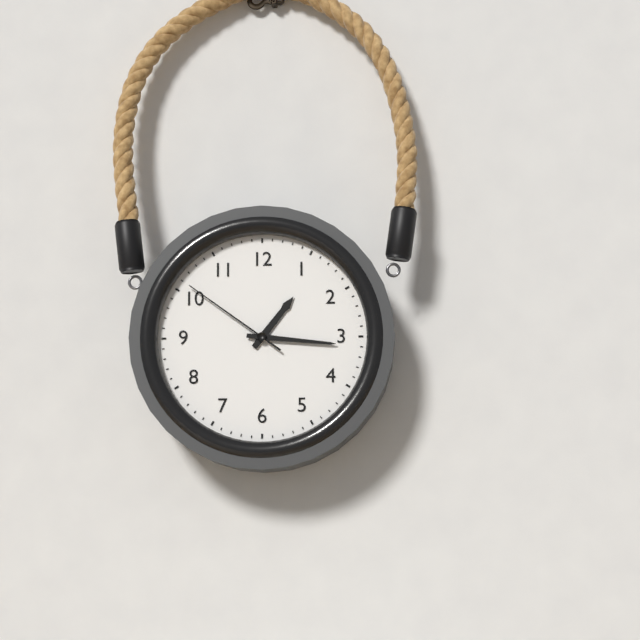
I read 1,16,51
